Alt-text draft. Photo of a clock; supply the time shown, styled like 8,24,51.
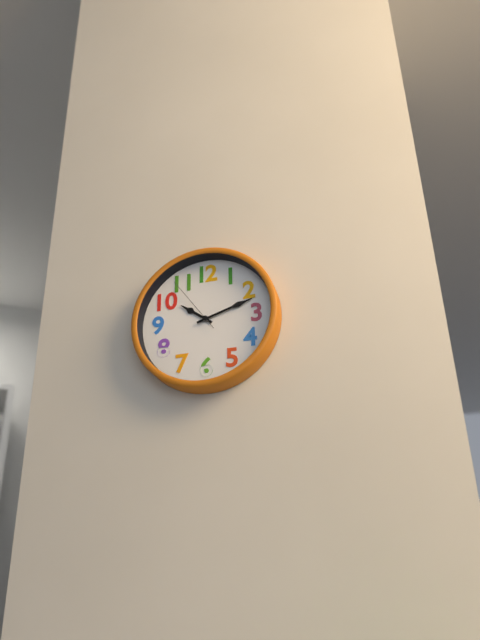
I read 10,12,54
